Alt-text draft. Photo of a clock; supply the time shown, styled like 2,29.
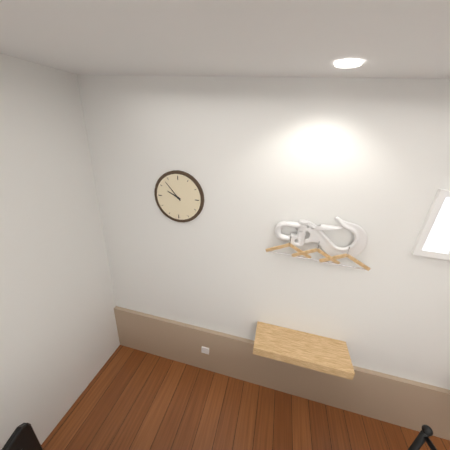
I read 9,53
